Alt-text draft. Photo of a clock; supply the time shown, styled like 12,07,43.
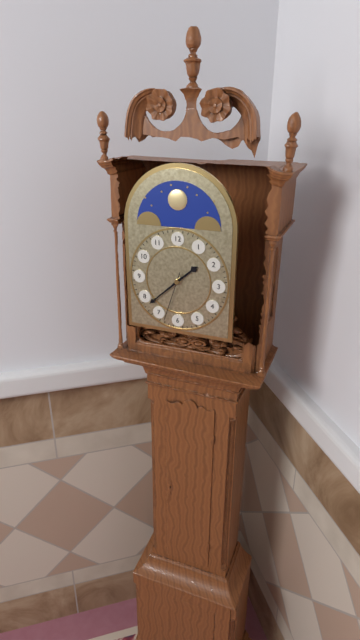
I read 1,38,33
